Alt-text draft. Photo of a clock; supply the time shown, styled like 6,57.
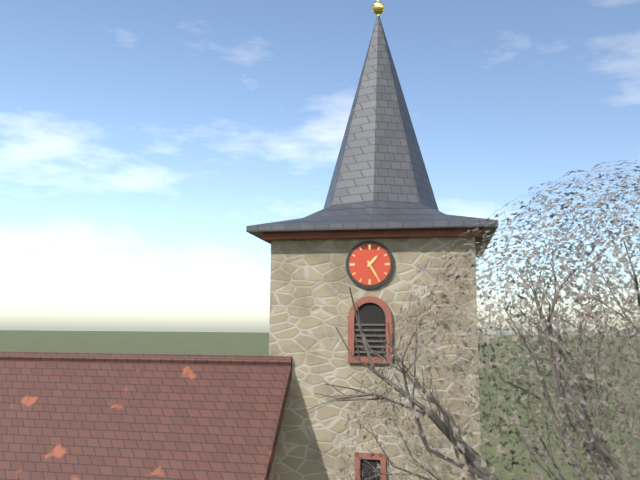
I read 1,25
